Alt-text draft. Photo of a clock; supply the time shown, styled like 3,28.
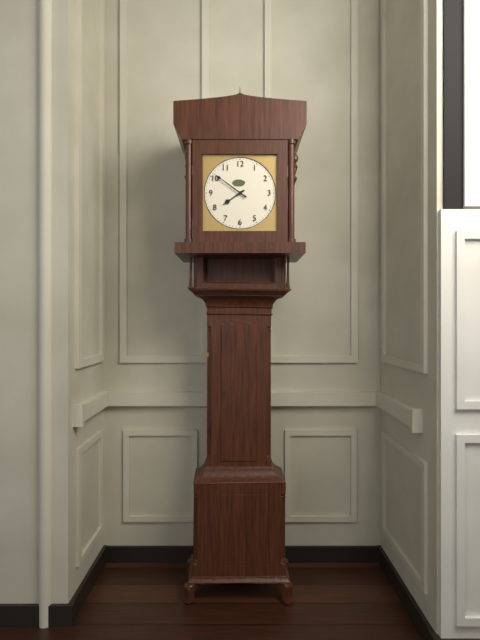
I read 7,51
